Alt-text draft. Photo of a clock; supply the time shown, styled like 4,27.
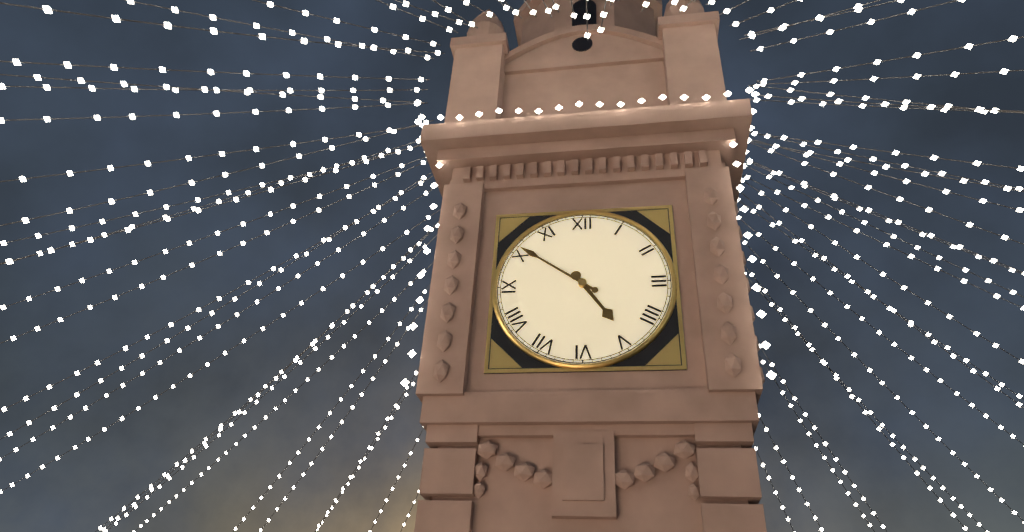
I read 4,51
